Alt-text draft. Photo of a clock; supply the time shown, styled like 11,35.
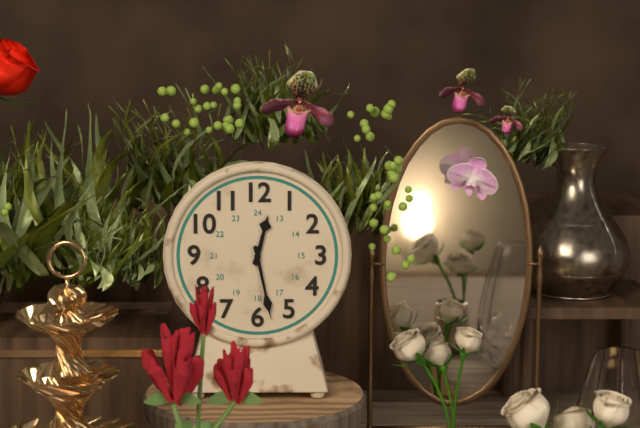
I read 12,28
